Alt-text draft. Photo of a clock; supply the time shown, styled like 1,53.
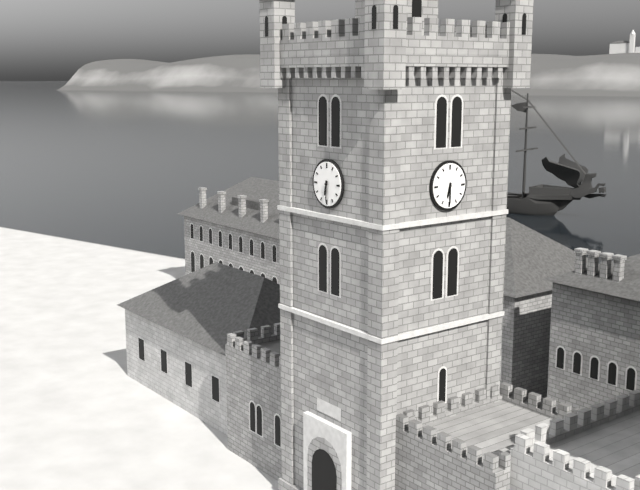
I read 6,30
